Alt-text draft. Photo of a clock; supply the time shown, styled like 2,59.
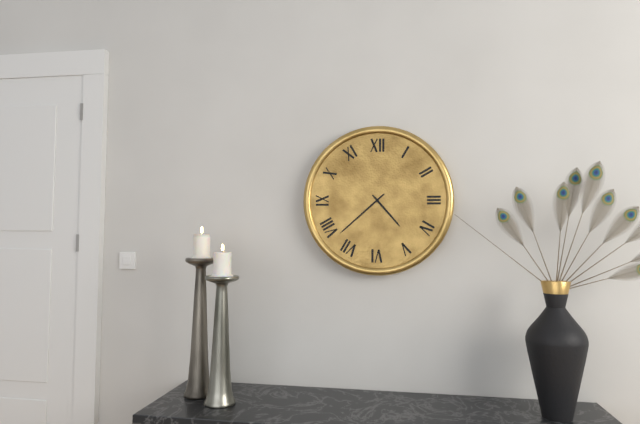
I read 4,38
